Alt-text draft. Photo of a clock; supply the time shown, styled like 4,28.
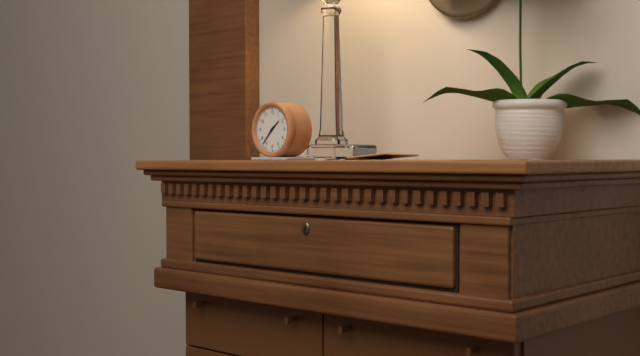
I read 1,37
